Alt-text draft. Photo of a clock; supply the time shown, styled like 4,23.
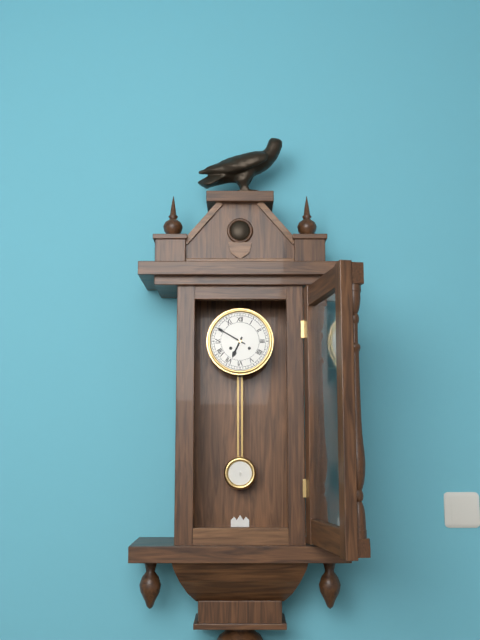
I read 6,50
